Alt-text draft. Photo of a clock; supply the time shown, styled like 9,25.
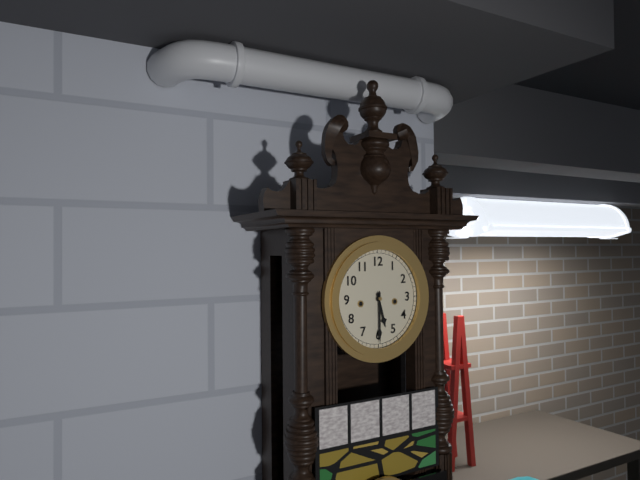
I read 5,30
